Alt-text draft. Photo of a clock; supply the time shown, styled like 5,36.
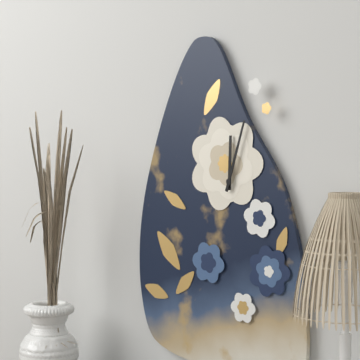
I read 12,03
